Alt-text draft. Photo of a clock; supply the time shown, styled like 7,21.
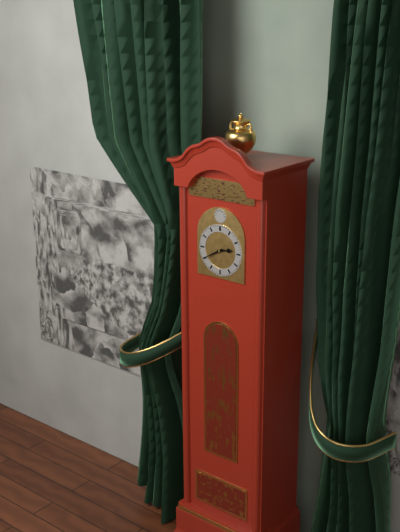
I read 2,40
